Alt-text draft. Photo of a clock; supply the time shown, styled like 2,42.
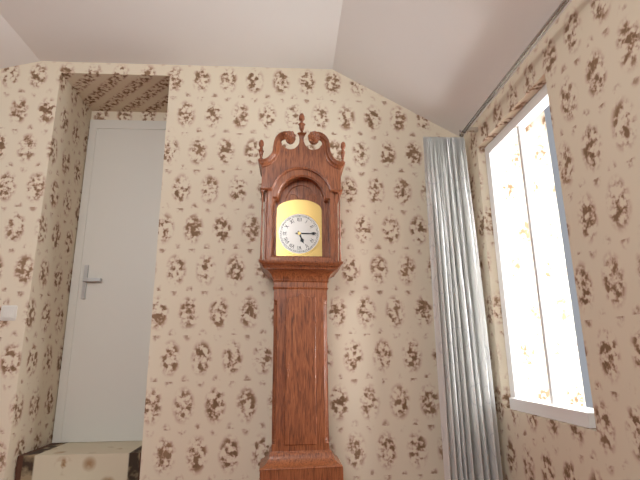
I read 5,15
